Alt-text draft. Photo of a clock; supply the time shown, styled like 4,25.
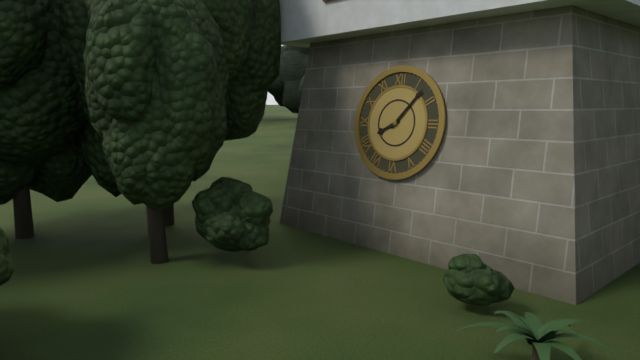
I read 8,07
